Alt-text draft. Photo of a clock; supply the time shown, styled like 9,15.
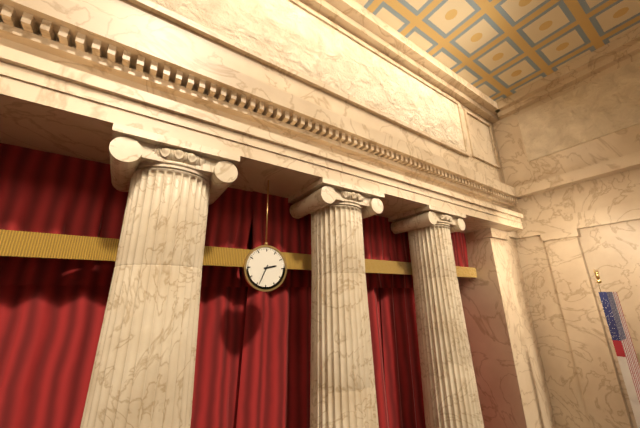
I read 2,34
